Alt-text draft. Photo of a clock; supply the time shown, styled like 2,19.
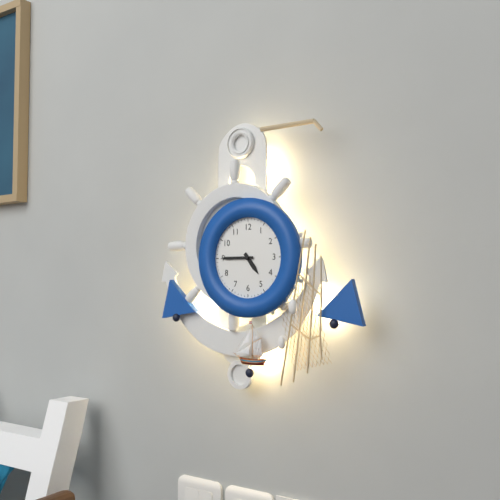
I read 4,45
